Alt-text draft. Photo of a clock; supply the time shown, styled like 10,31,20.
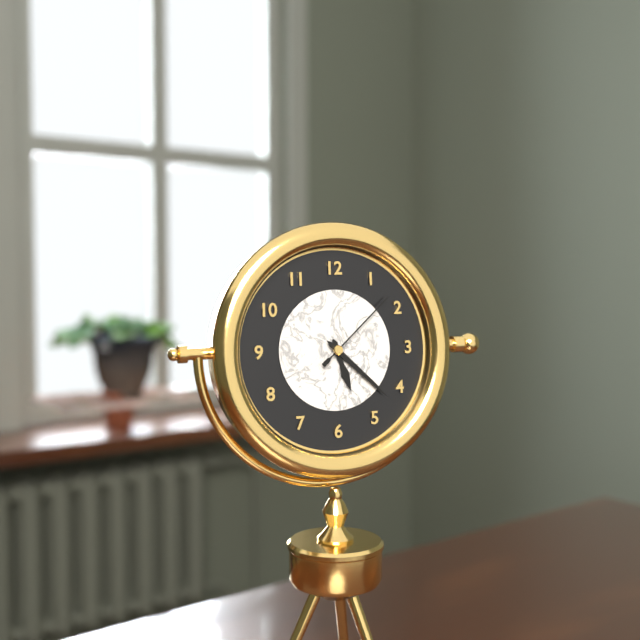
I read 5,22,08
